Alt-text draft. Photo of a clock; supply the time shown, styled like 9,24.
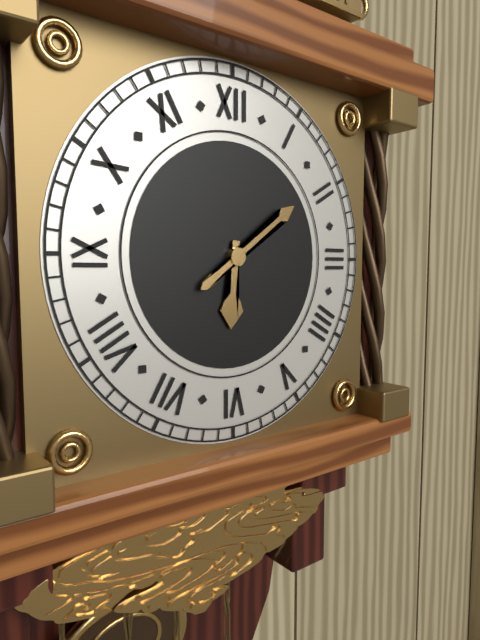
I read 6,09
